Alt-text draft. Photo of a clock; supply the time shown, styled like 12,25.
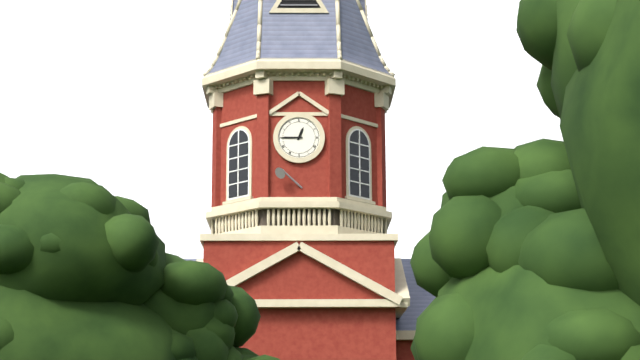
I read 12,45
